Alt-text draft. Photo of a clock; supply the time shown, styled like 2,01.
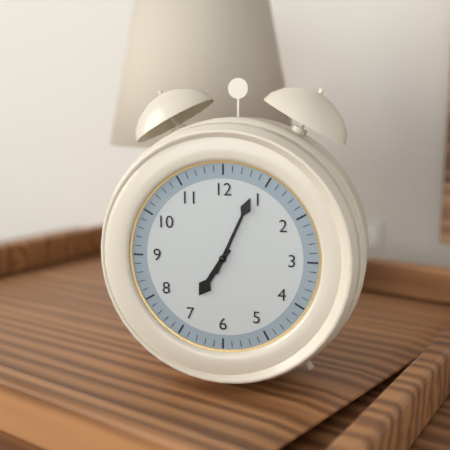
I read 7,04
